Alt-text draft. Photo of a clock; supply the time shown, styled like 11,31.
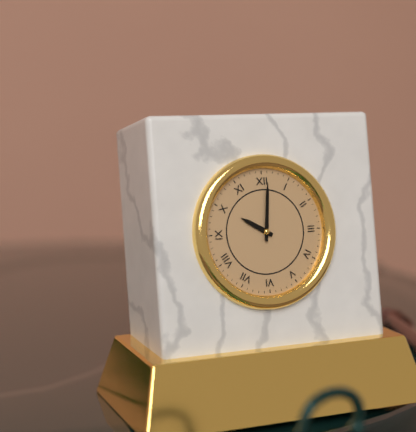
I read 10,01
